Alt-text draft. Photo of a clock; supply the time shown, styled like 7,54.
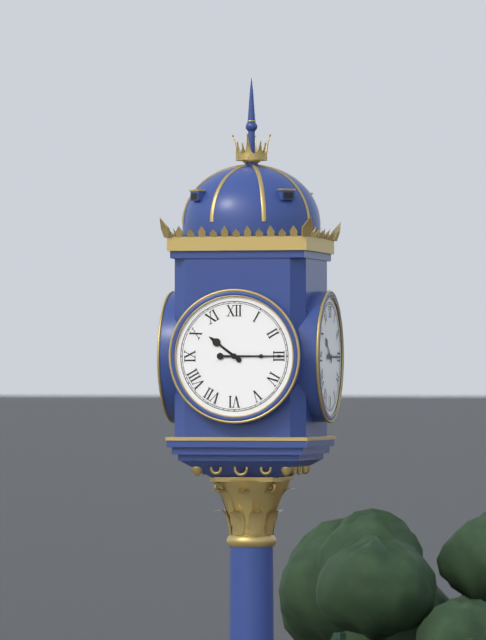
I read 10,15
